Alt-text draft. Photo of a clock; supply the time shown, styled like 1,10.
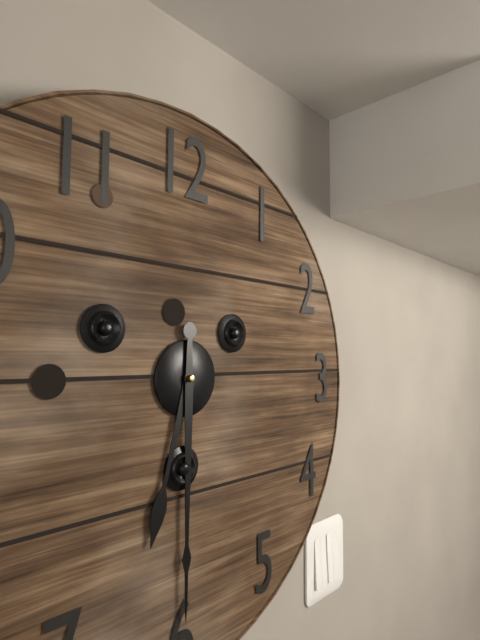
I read 6,30
